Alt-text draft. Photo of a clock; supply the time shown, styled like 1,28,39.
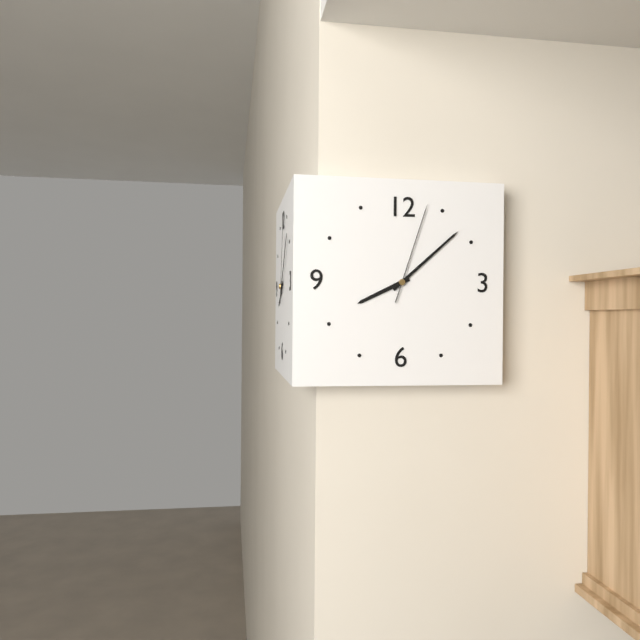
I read 8,08,03
